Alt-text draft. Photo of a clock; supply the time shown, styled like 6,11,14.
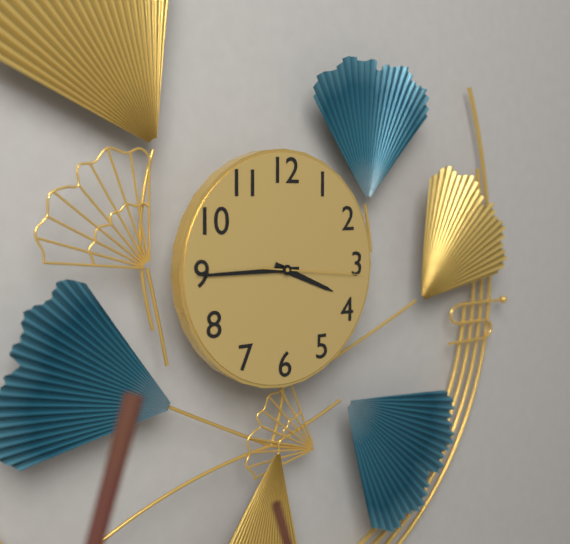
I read 3,45,16
